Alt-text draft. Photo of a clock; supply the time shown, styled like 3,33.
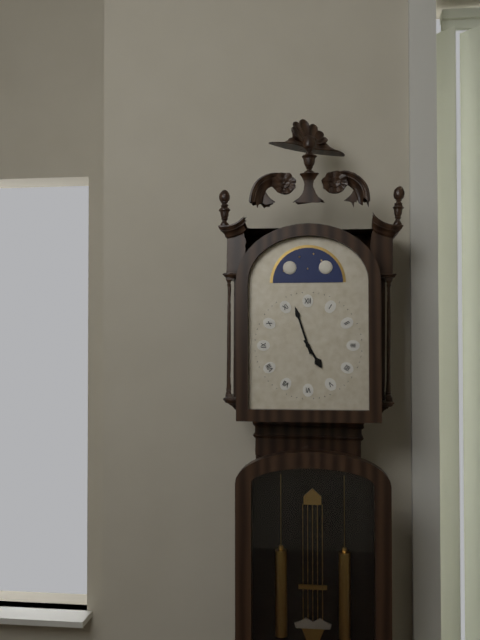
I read 4,57
